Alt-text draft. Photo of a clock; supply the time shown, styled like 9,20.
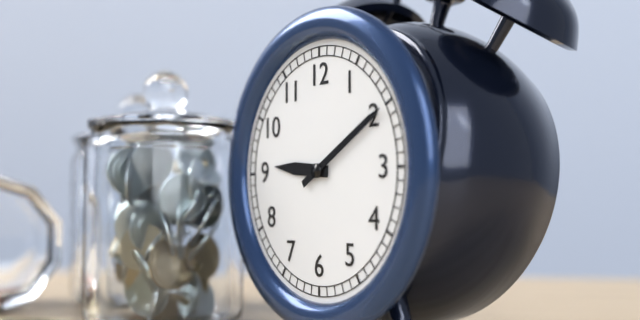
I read 9,10
